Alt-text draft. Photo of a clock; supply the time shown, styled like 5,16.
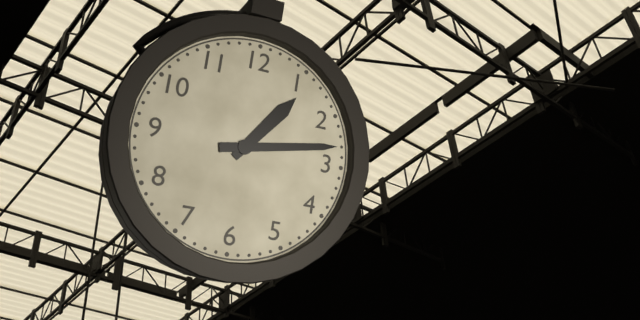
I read 1,13
